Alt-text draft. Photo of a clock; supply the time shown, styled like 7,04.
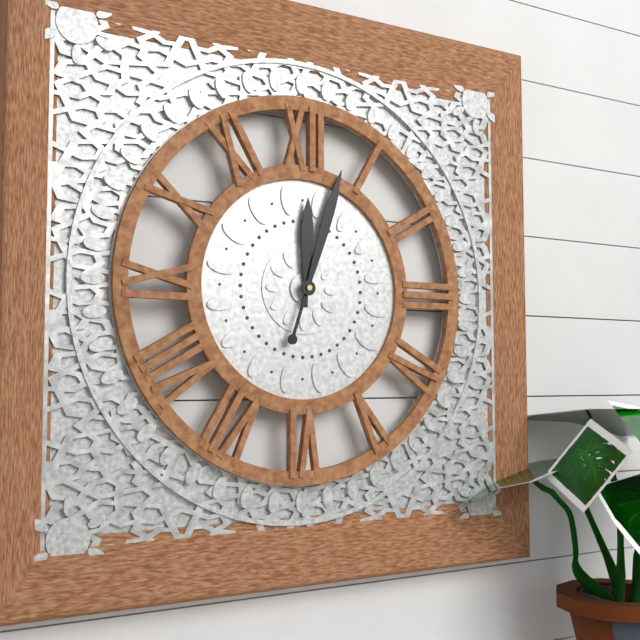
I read 12,03
